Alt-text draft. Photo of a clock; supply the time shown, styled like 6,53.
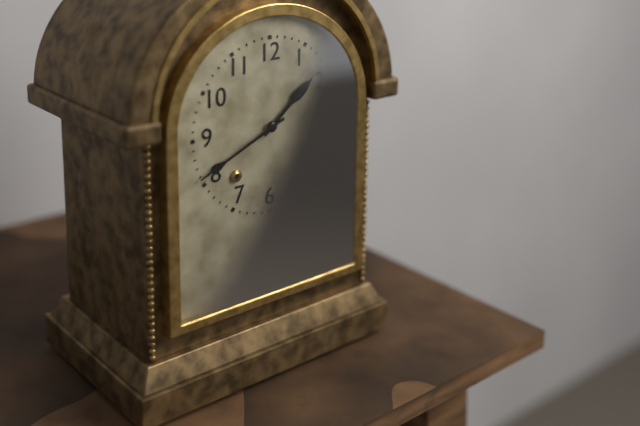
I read 1,41
